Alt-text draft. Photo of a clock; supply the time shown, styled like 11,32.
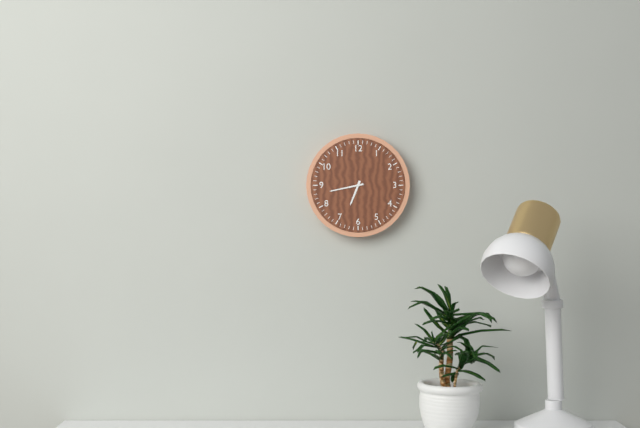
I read 6,43
